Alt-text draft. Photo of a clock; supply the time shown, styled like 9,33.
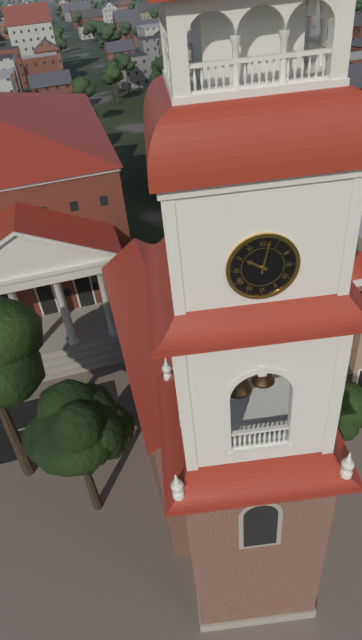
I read 10,02
